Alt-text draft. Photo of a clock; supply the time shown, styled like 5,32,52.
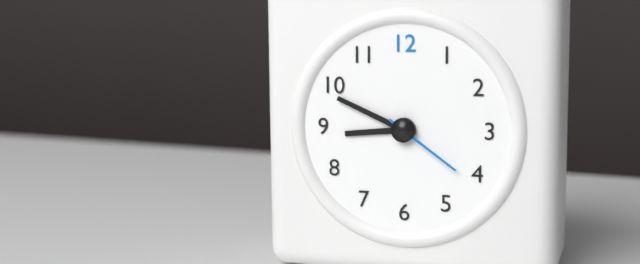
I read 8,49,21
